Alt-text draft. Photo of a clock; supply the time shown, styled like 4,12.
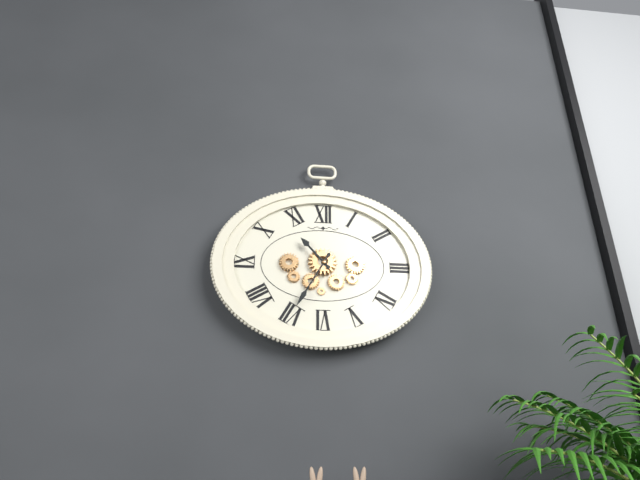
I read 10,35
